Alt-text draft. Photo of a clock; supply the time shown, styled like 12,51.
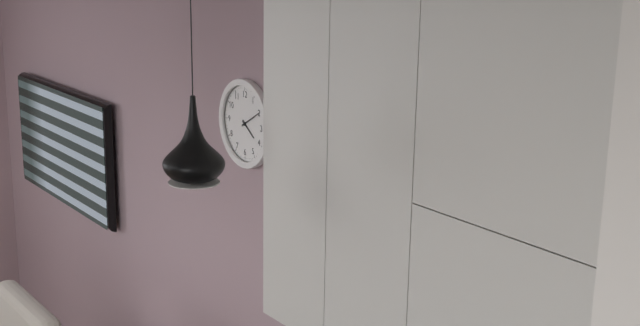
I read 4,10
